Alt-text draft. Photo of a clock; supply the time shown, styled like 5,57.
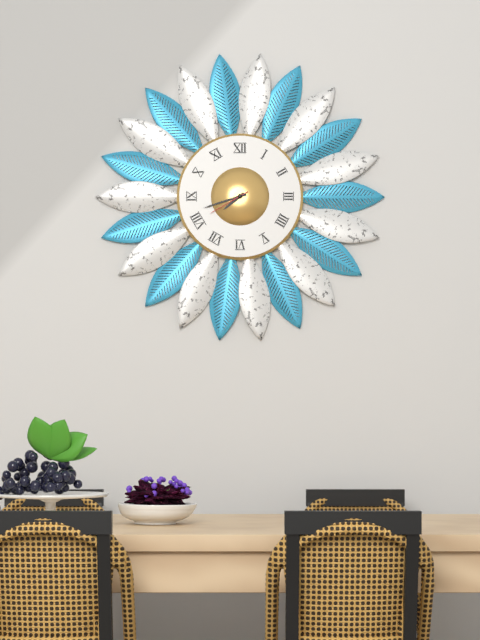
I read 7,42
